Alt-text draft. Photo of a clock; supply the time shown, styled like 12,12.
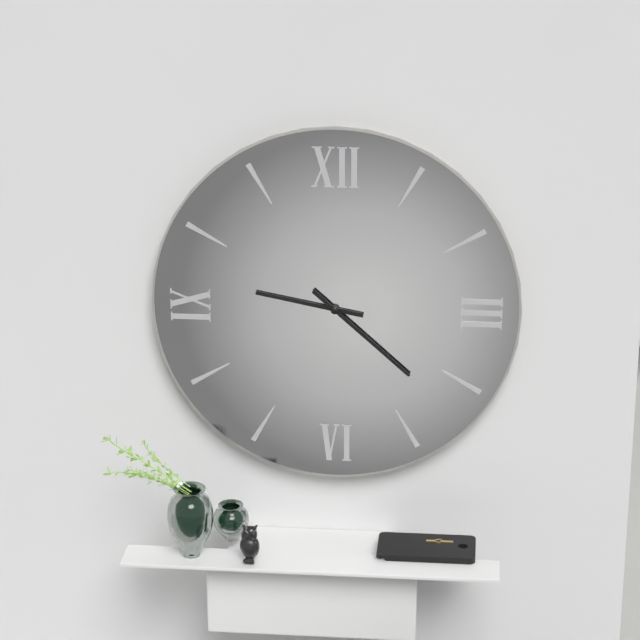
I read 9,22
